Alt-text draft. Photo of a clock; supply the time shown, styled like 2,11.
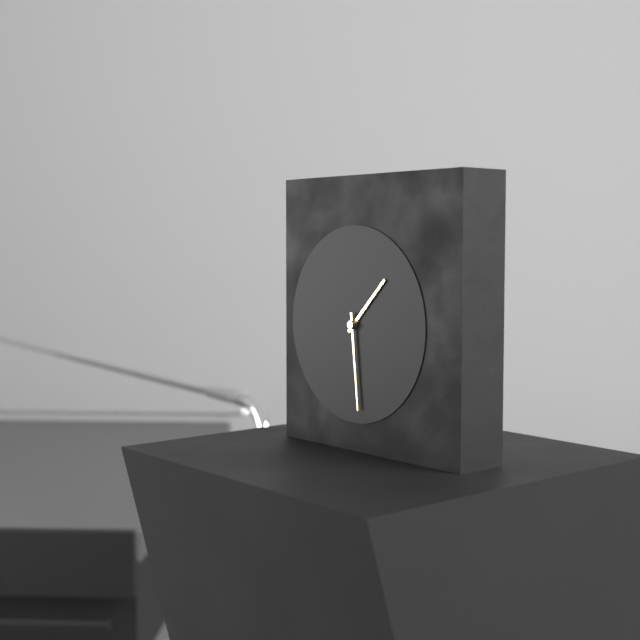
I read 1,29
